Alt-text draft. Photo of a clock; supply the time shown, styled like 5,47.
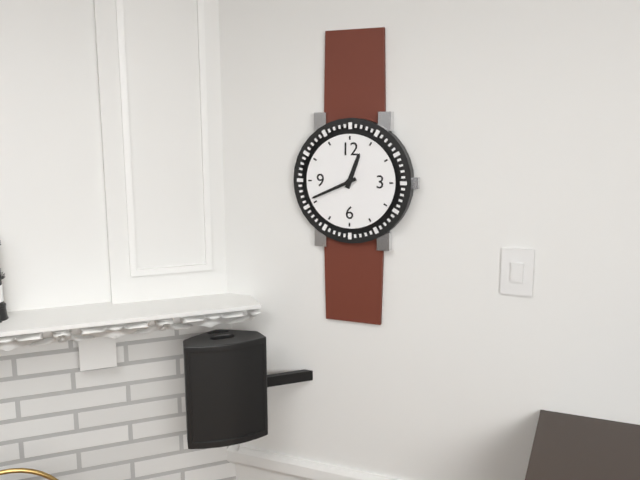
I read 12,41
